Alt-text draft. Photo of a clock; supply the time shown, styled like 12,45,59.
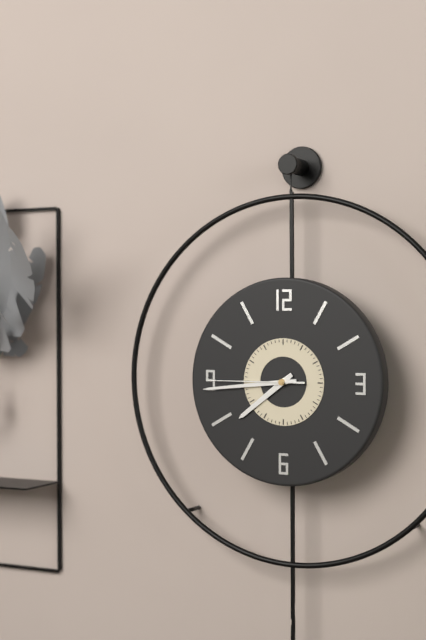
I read 7,44,45
